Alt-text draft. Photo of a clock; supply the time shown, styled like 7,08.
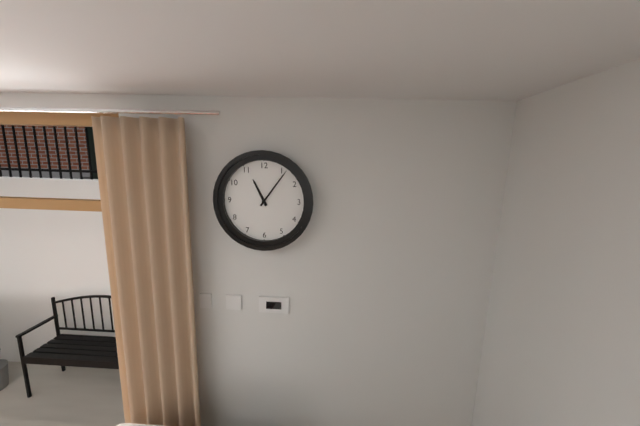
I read 11,06
